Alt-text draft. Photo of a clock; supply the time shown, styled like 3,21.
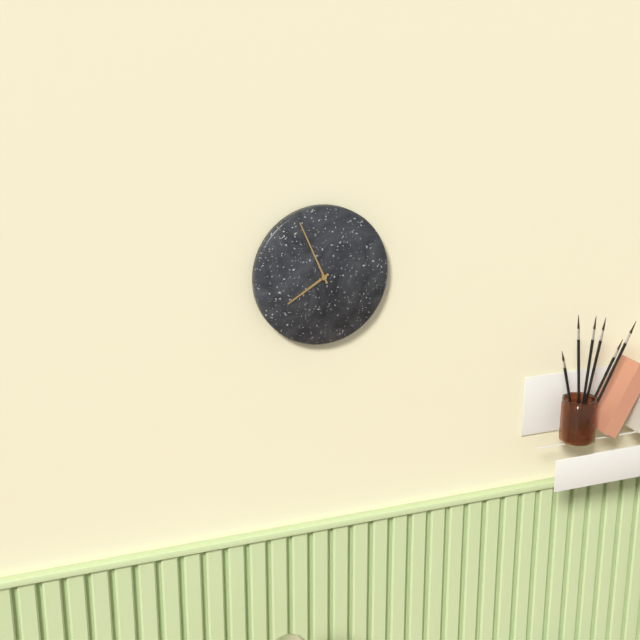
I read 7,56
